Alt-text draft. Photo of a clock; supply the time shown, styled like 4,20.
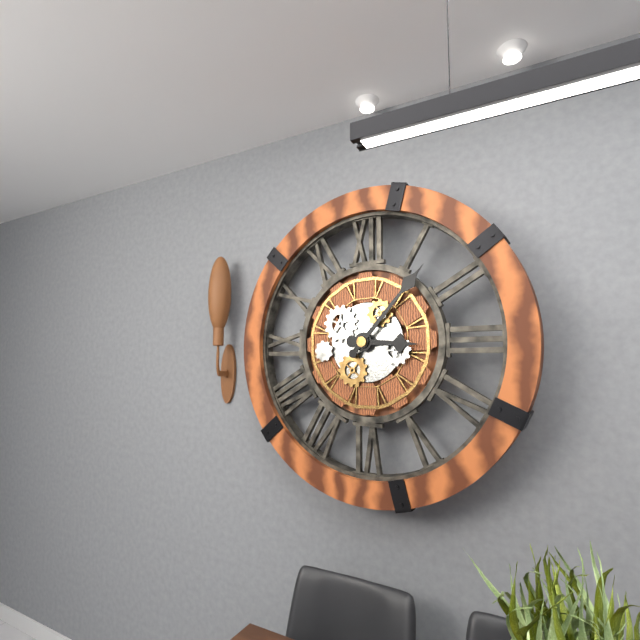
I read 3,07
